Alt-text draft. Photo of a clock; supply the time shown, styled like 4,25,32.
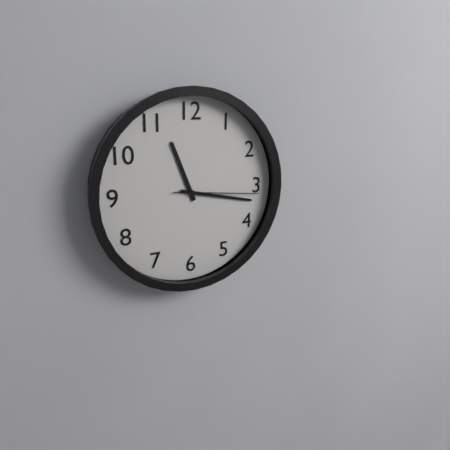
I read 11,17,16
